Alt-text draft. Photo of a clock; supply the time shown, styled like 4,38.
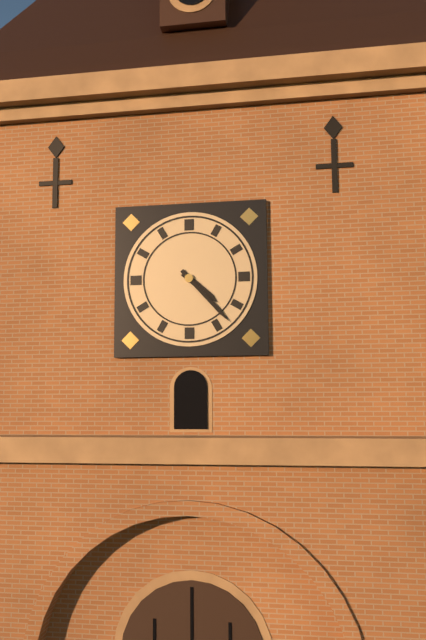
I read 4,23
